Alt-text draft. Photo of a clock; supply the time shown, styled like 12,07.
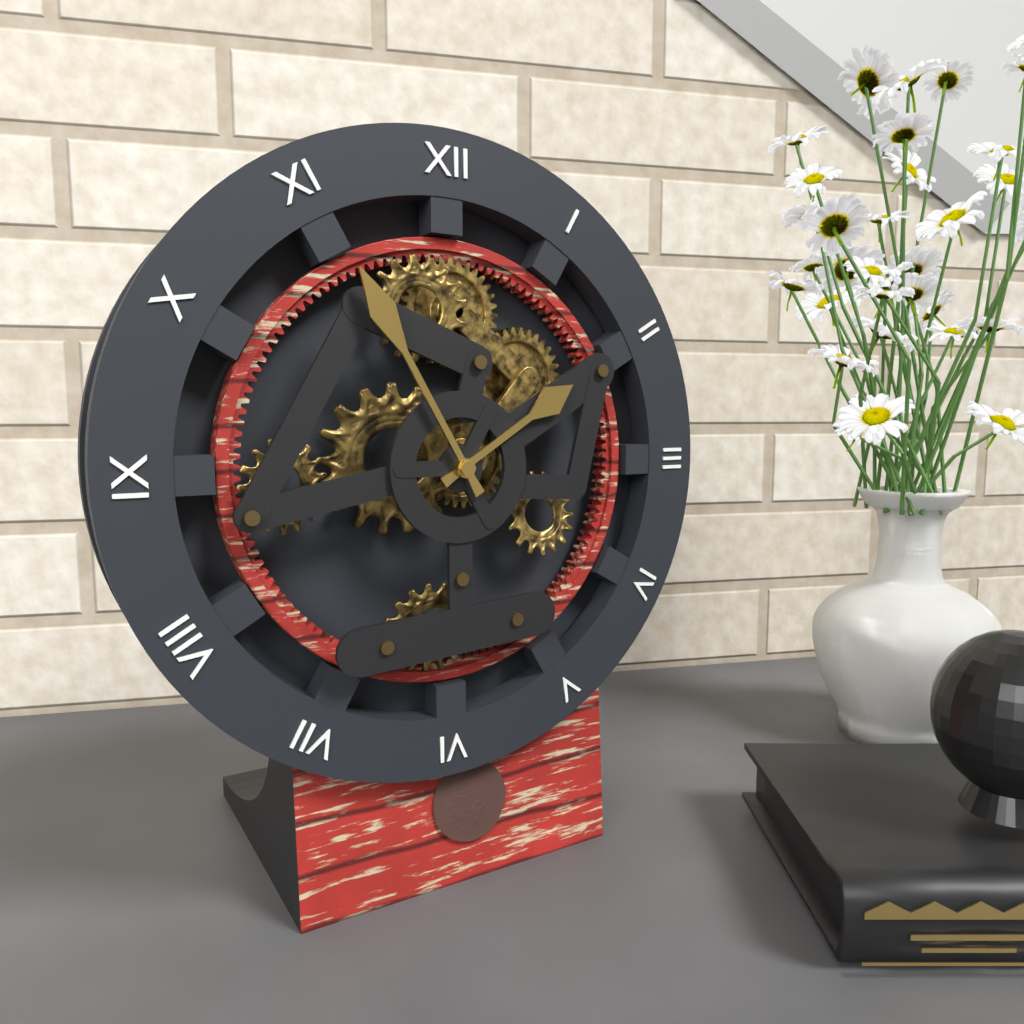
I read 1,55
